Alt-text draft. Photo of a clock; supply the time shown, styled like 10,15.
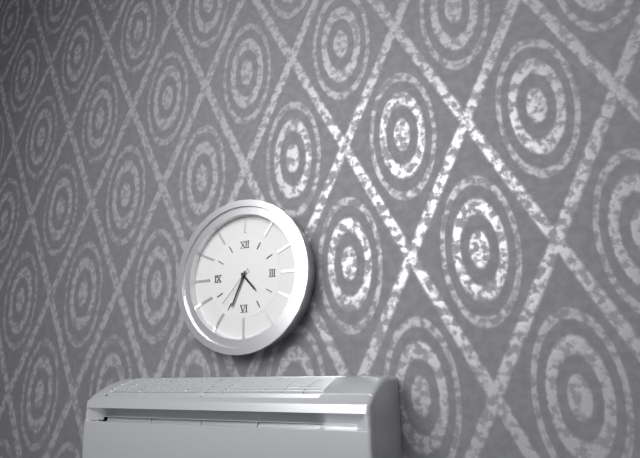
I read 4,34
